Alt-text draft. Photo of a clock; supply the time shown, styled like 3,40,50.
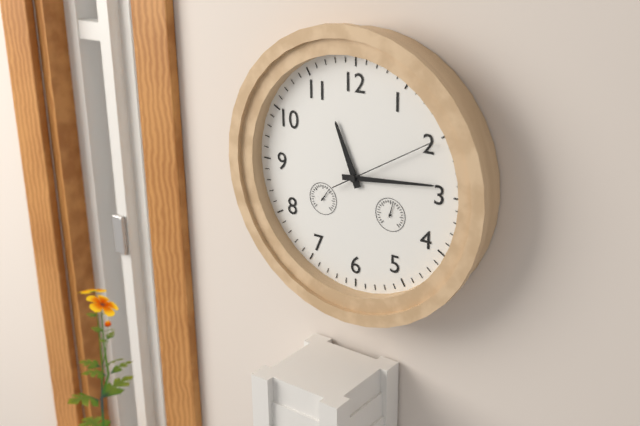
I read 11,14,10
